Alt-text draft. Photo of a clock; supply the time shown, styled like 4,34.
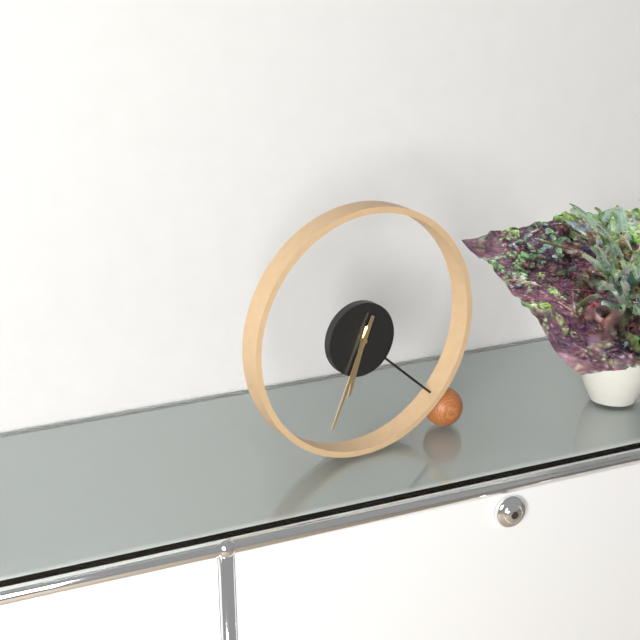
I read 6,34
